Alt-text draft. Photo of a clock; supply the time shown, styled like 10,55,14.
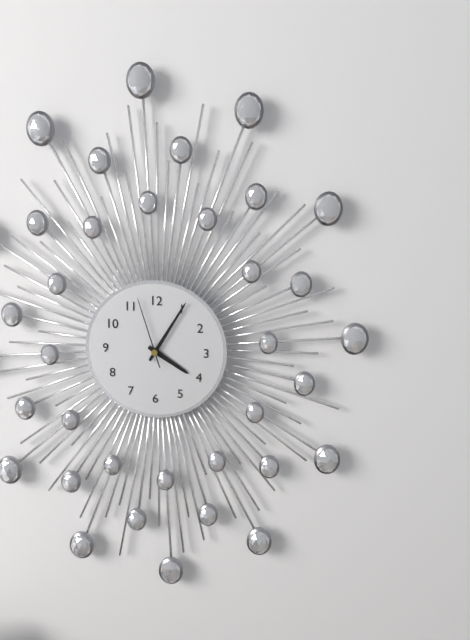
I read 4,05,57
